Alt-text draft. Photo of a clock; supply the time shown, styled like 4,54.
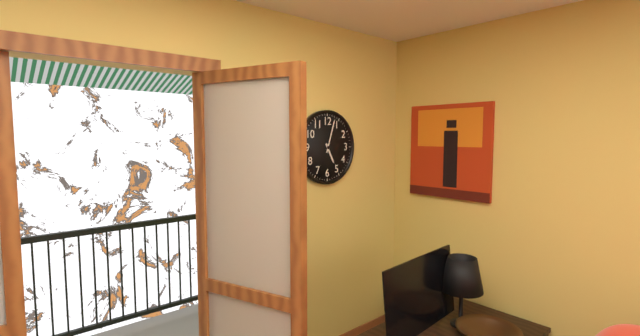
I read 5,03
